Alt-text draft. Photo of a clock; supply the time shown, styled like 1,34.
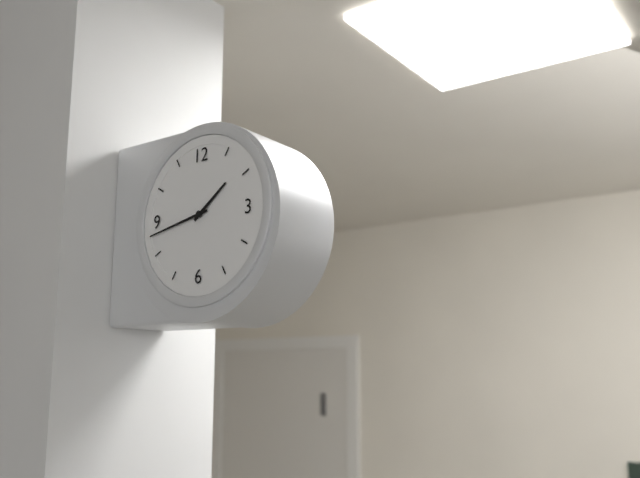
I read 1,43
